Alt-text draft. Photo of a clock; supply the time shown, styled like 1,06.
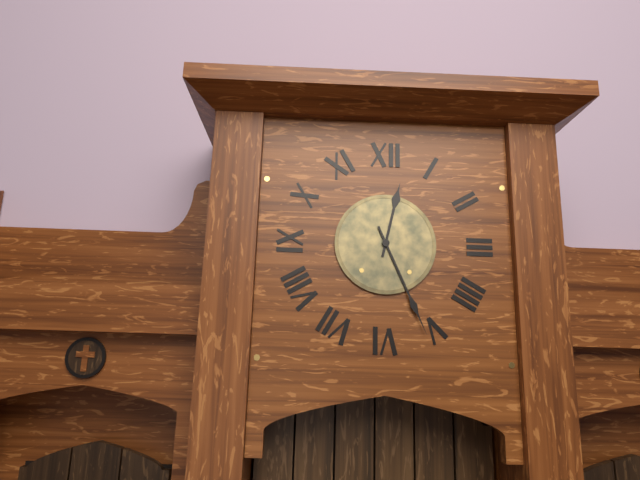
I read 12,26
